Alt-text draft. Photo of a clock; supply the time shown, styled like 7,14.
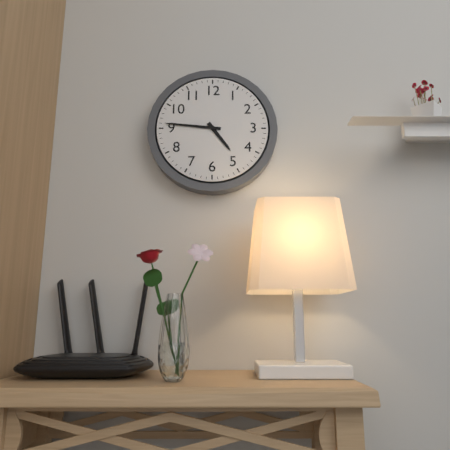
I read 4,46
